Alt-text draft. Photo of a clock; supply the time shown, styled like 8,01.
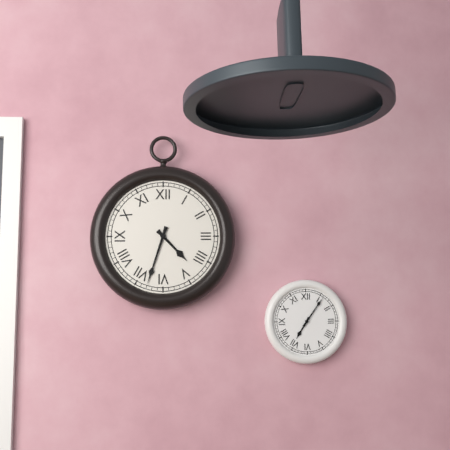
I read 4,33
